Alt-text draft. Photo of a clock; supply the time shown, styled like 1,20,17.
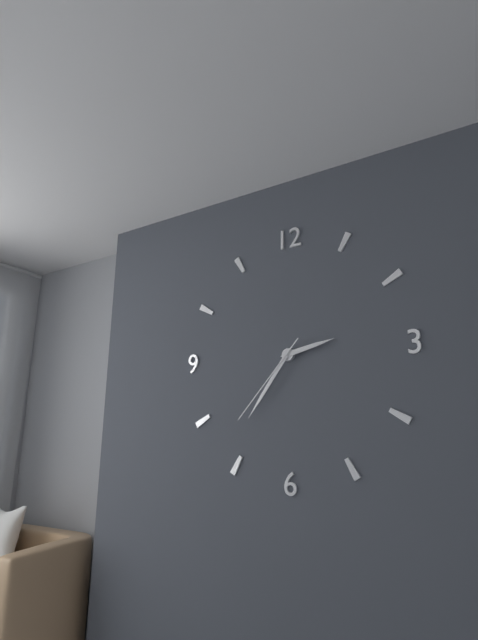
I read 2,36,37
